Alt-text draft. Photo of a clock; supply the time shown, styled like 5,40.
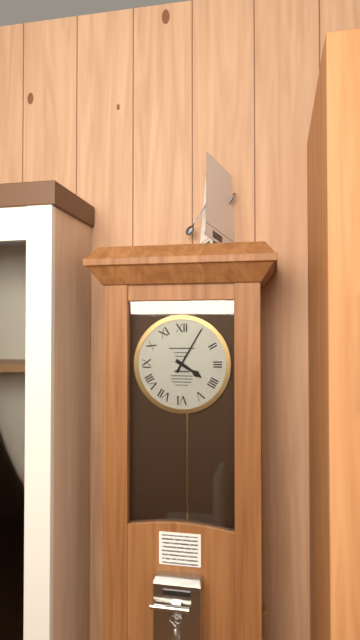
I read 4,05
